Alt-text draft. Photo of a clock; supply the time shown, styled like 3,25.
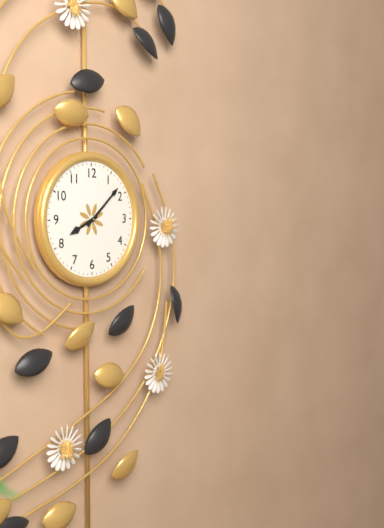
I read 8,08
